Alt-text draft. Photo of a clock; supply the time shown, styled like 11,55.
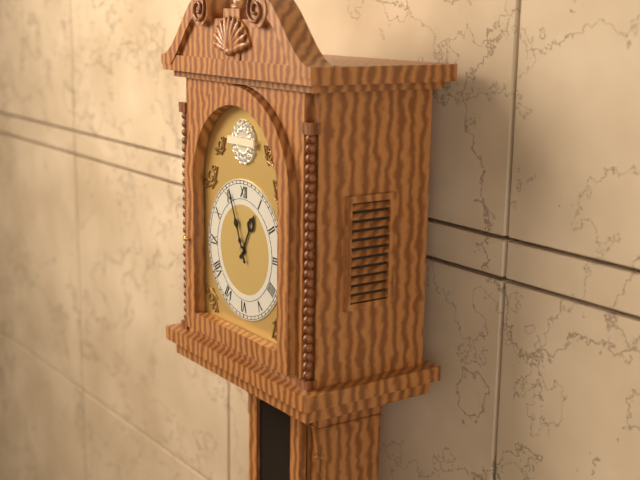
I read 12,56
